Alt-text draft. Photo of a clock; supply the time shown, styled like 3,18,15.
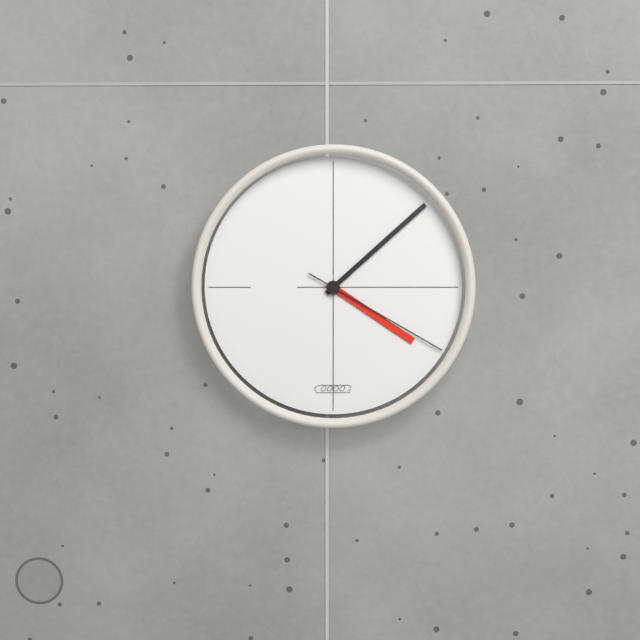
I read 4,08,20
